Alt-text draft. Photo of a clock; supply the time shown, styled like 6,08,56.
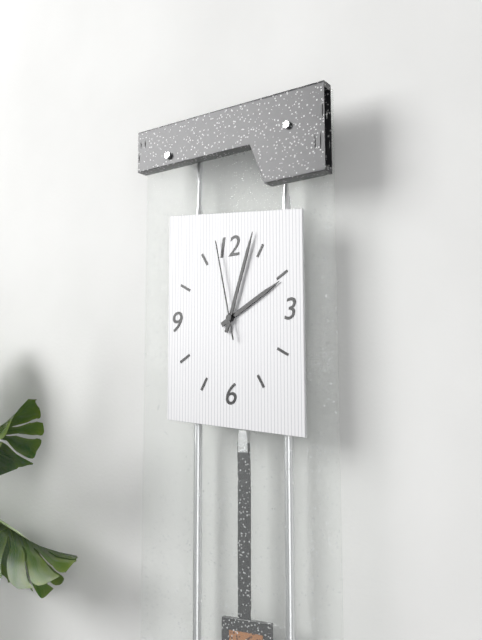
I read 2,03,58
